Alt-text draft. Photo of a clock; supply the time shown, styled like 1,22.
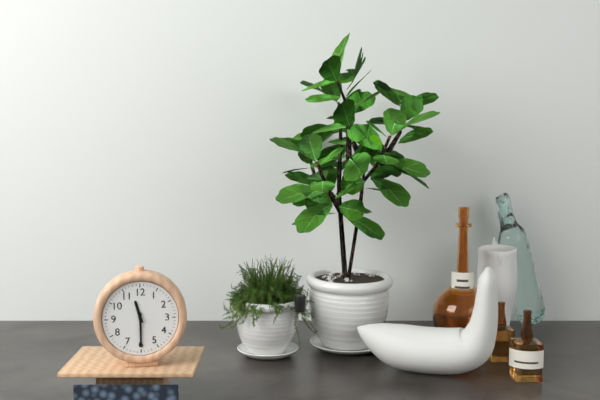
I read 11,30
